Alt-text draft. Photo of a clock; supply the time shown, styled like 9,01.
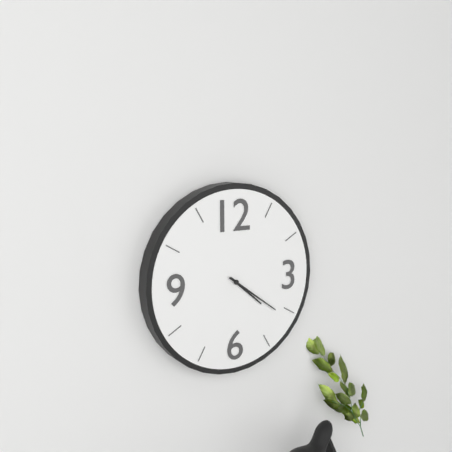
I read 4,21
